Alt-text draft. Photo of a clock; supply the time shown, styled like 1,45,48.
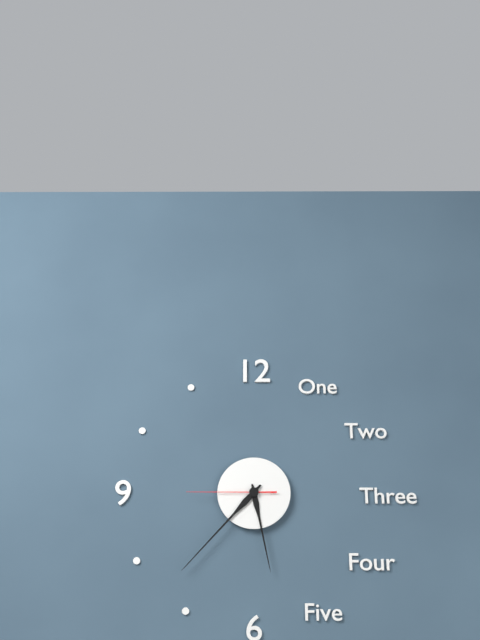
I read 5,37,45
